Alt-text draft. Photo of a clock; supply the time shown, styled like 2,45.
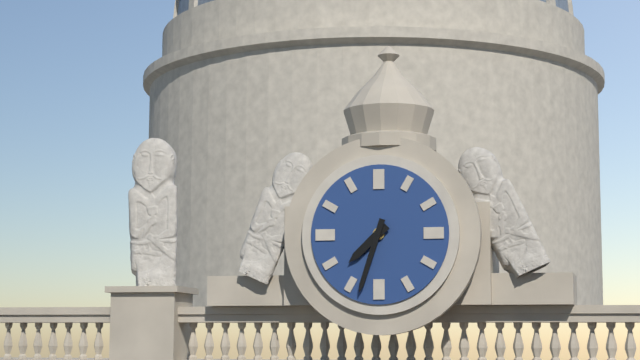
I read 7,33
